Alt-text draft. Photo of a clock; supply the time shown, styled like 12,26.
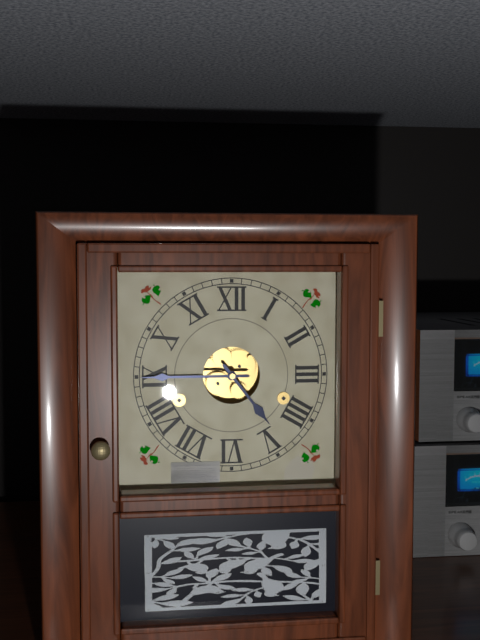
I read 4,45
